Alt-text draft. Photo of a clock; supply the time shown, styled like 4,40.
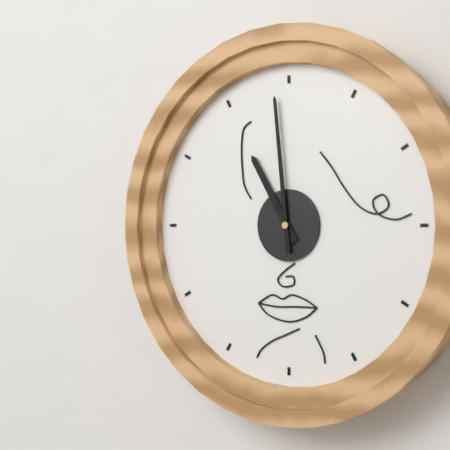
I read 10,59
